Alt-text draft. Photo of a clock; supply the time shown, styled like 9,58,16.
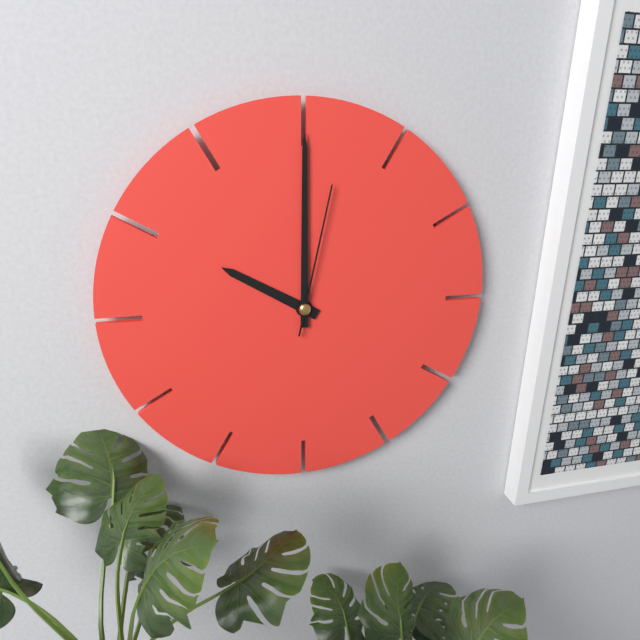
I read 10,00,02
